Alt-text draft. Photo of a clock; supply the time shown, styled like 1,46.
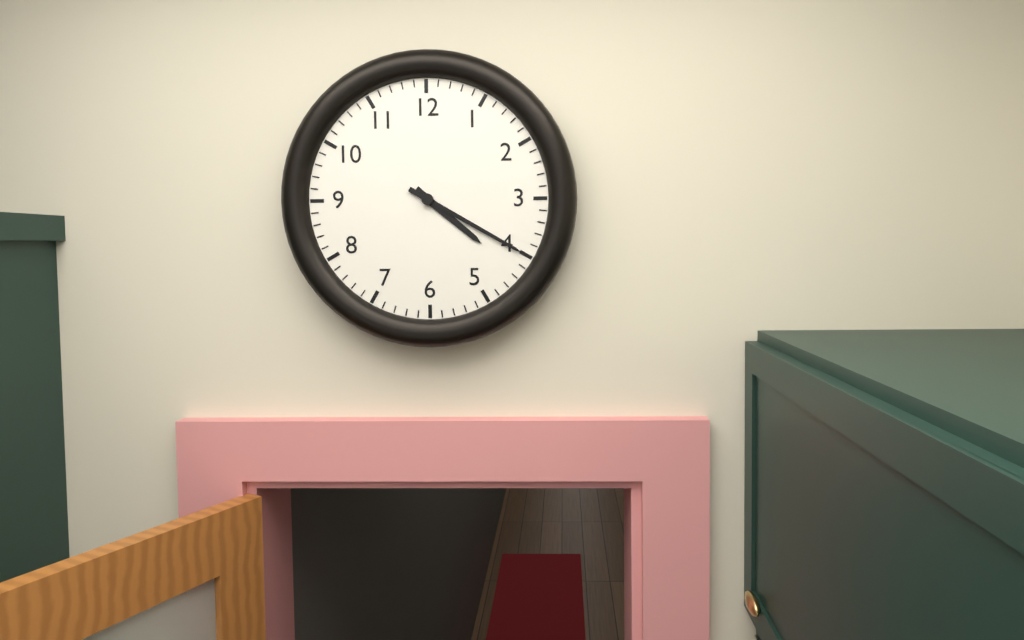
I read 4,20
